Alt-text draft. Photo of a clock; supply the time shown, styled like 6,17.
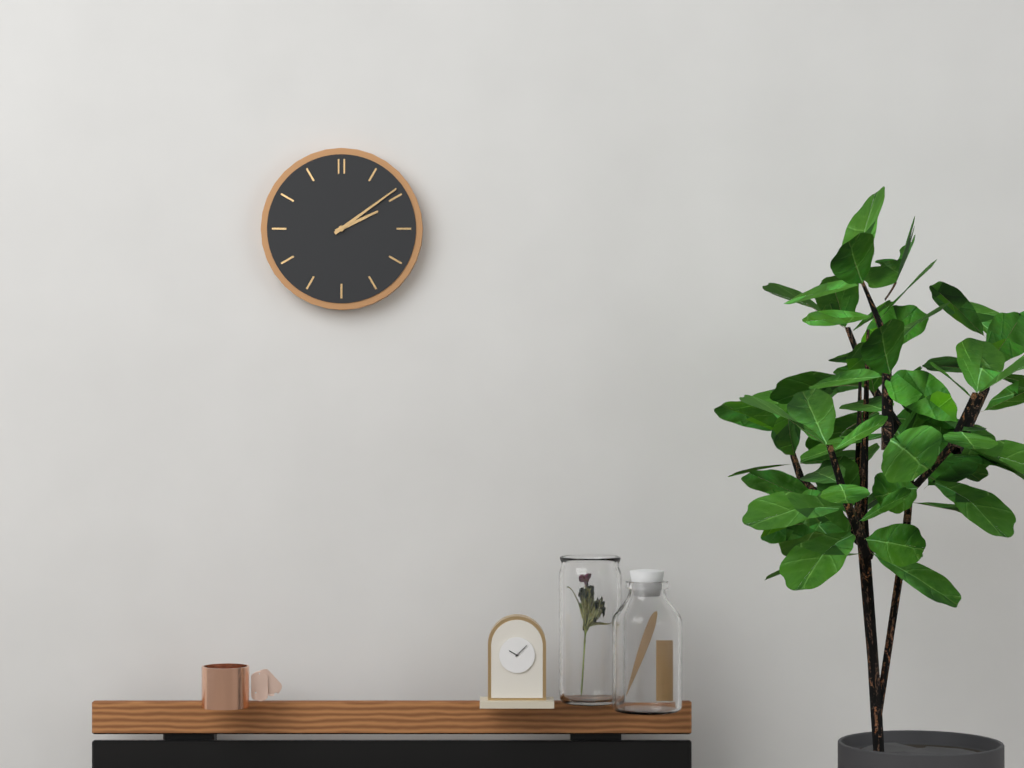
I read 2,09
